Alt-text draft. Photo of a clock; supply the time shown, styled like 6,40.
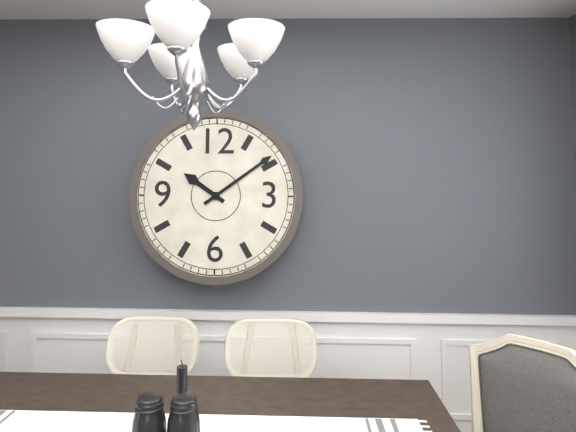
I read 10,09
